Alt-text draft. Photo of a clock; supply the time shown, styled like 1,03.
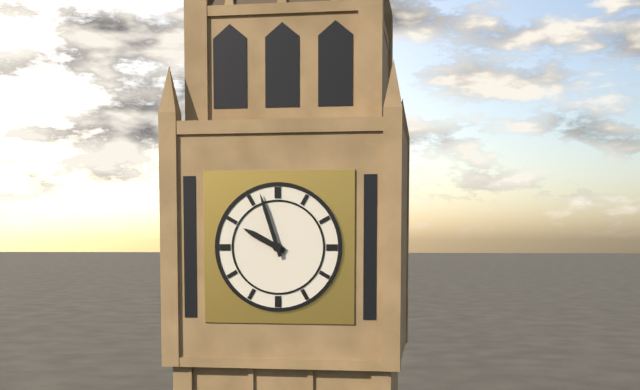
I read 9,57
